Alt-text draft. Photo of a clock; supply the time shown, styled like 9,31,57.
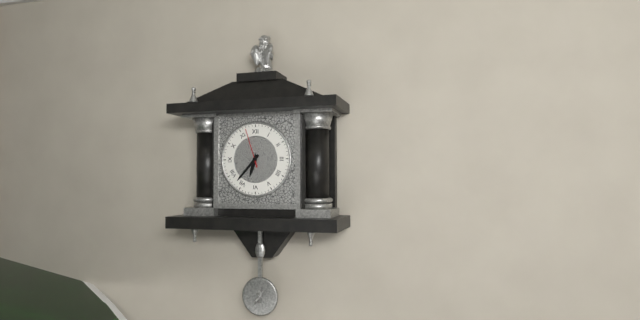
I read 6,37,57
